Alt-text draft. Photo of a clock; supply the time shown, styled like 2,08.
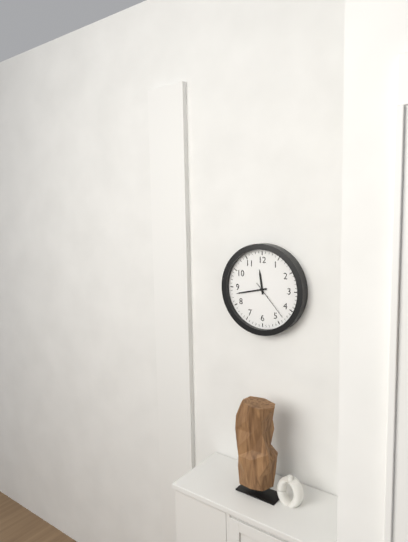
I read 11,43
